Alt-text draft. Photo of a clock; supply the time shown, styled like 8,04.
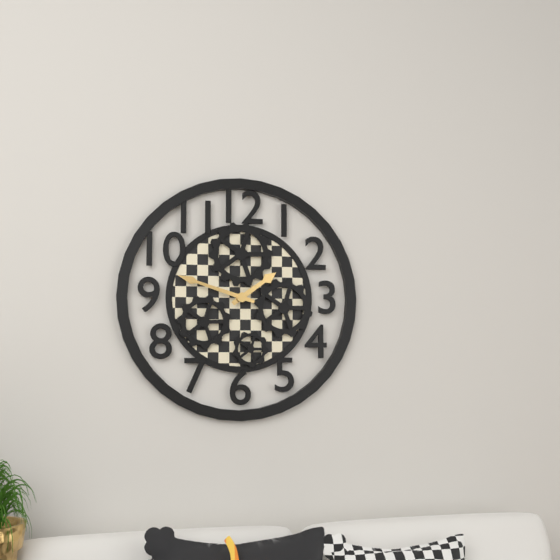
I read 1,48
